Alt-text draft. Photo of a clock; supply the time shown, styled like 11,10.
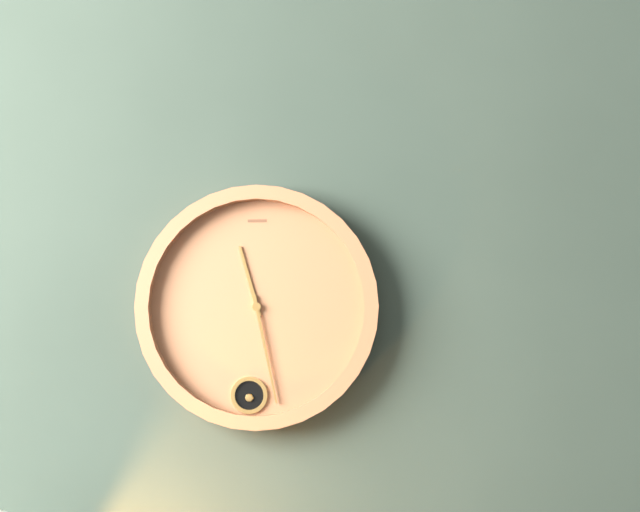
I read 11,28
